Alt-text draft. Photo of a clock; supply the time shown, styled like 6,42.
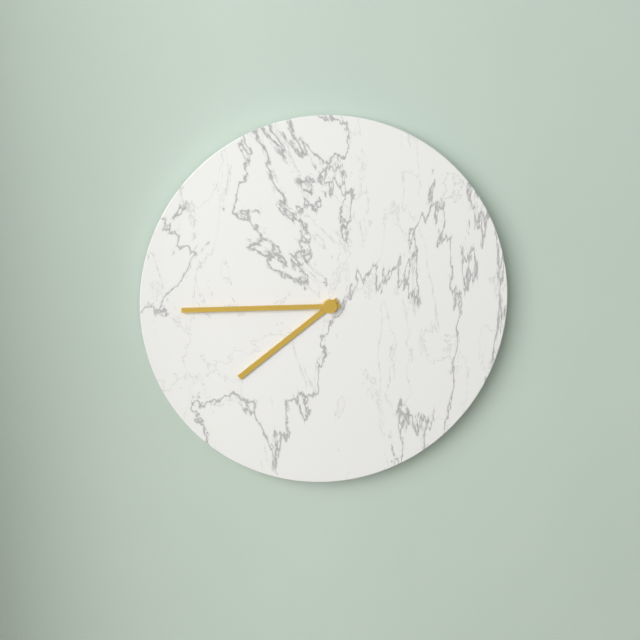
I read 7,45
